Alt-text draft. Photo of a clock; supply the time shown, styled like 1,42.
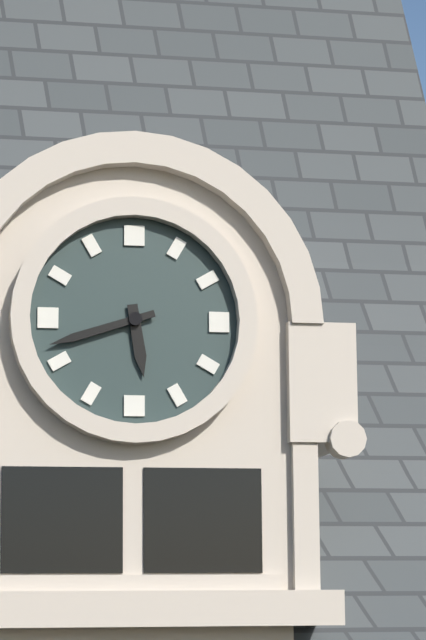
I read 5,42
